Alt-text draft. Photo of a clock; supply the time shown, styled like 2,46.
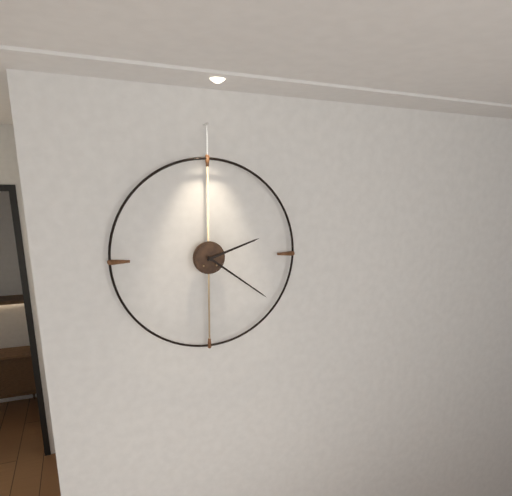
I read 2,21
